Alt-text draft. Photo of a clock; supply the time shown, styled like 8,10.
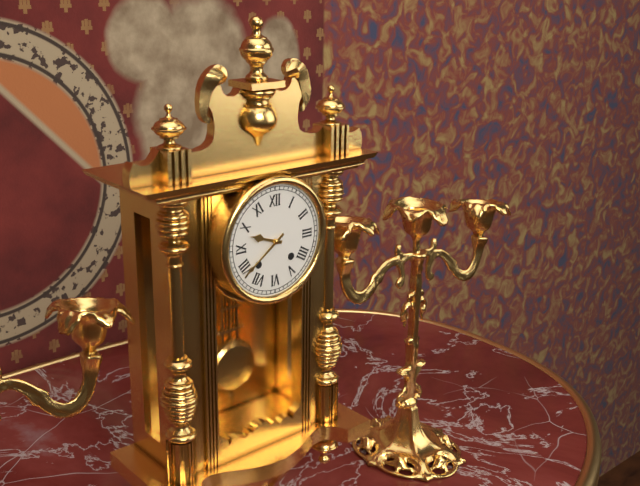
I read 9,39
